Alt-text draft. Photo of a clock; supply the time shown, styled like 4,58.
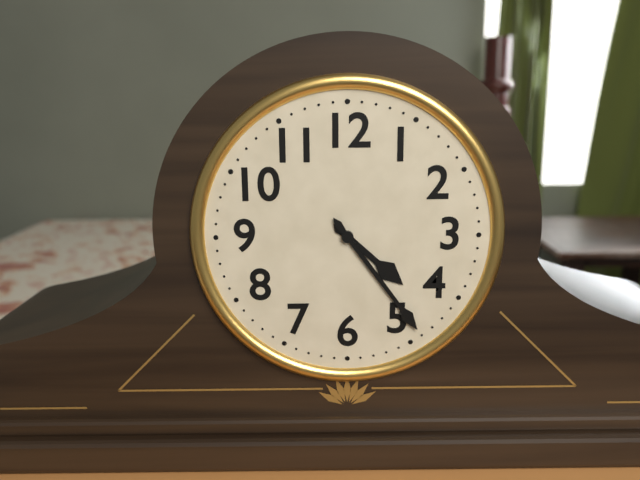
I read 4,24
